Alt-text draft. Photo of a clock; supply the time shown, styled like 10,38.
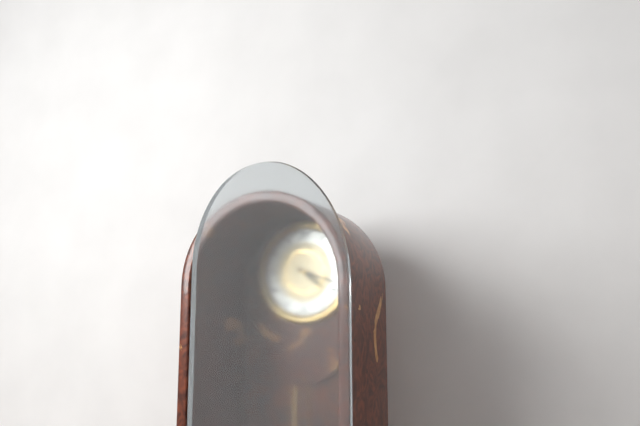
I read 4,18
